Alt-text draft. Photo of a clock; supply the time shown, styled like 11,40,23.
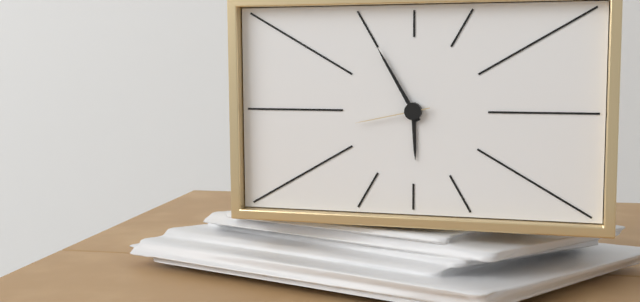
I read 5,55,43
